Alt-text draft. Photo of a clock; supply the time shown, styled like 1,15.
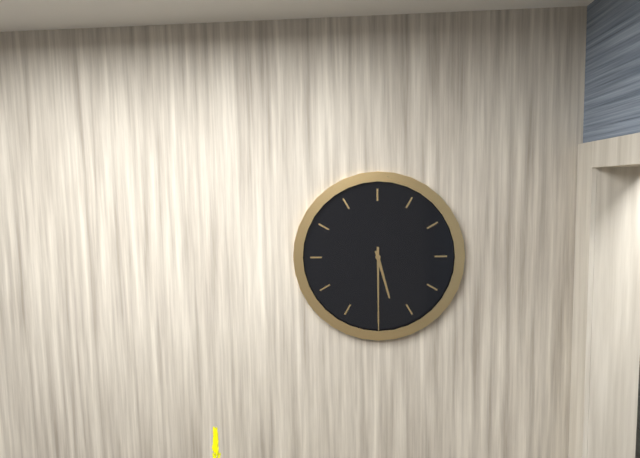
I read 5,30
